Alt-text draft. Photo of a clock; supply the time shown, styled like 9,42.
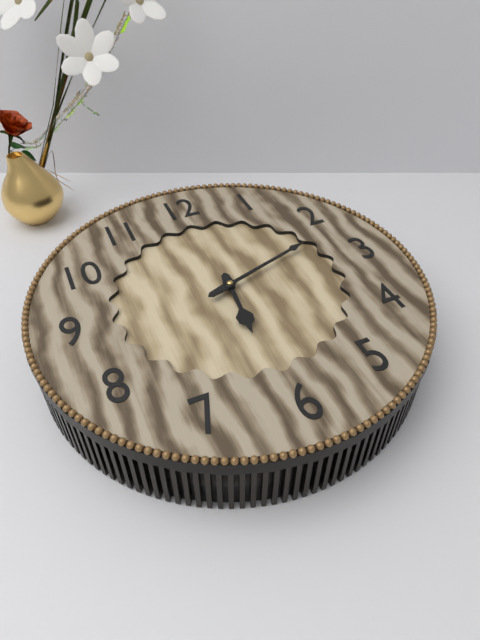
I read 6,12
